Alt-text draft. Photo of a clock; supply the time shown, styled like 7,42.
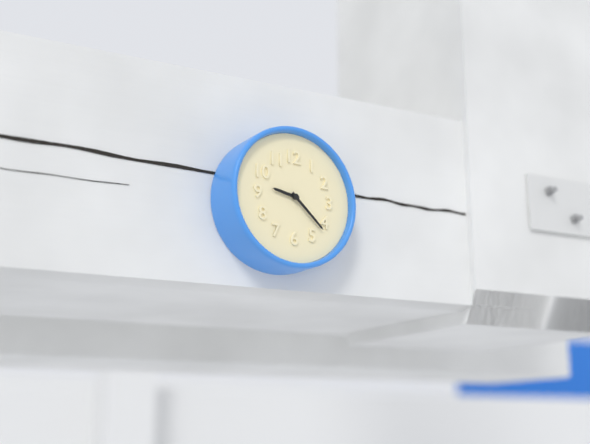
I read 9,22
